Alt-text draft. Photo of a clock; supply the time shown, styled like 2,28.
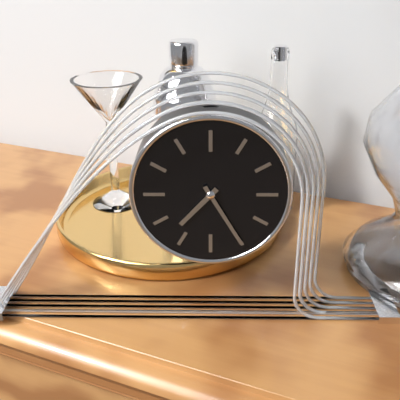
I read 7,25
